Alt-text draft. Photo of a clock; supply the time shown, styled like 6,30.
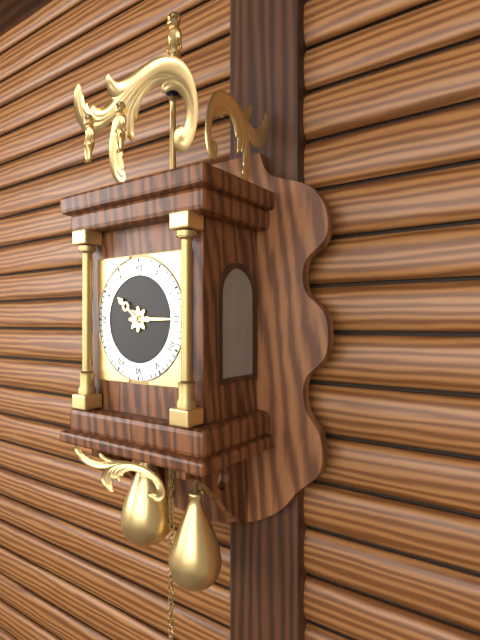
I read 10,15
